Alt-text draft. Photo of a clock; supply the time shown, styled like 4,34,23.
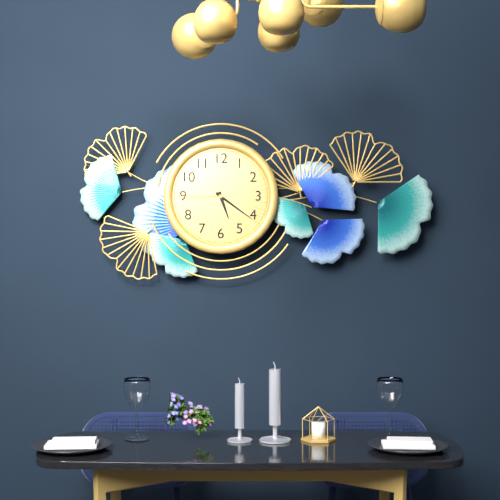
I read 5,21,45
